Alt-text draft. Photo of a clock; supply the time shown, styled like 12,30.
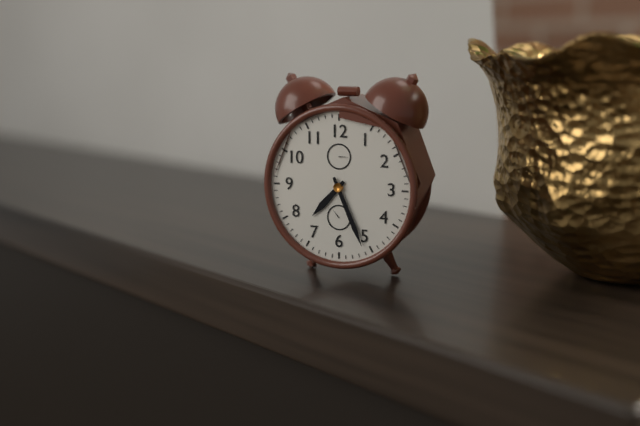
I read 7,26
